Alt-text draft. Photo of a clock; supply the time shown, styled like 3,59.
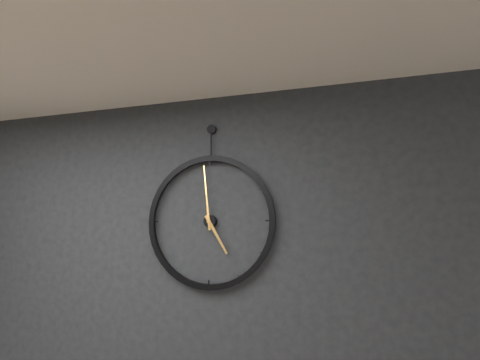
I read 4,59
